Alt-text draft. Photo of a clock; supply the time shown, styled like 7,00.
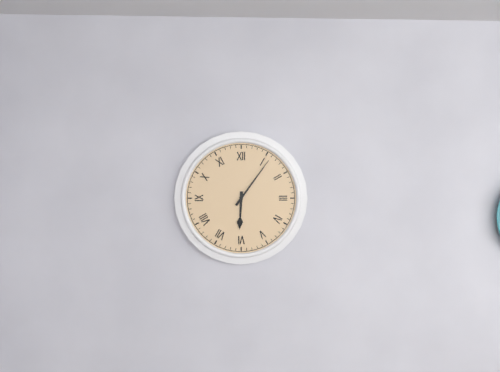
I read 6,06
